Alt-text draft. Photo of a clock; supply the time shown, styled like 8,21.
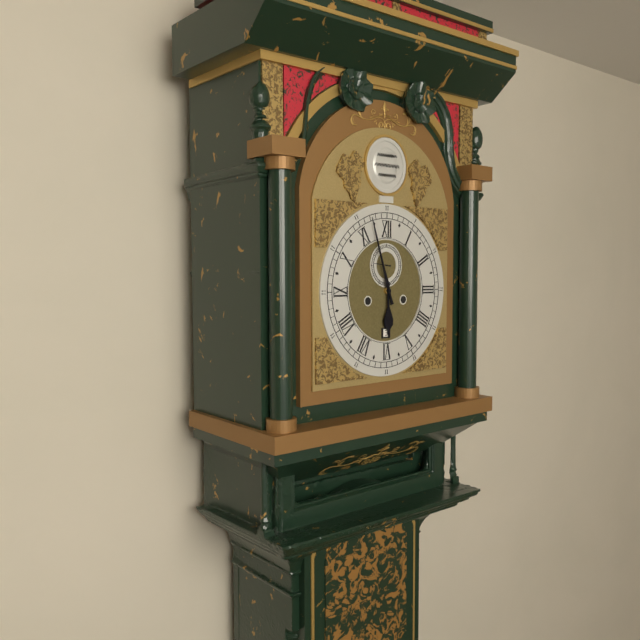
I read 5,57
